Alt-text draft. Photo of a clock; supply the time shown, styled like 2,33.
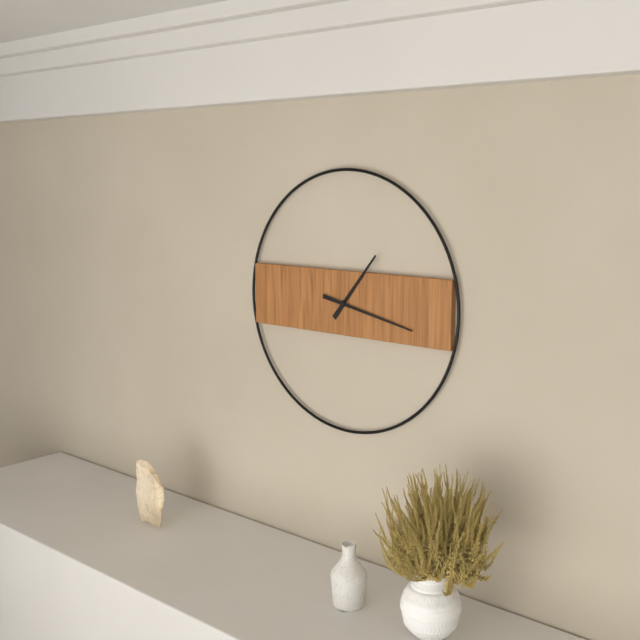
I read 1,17
